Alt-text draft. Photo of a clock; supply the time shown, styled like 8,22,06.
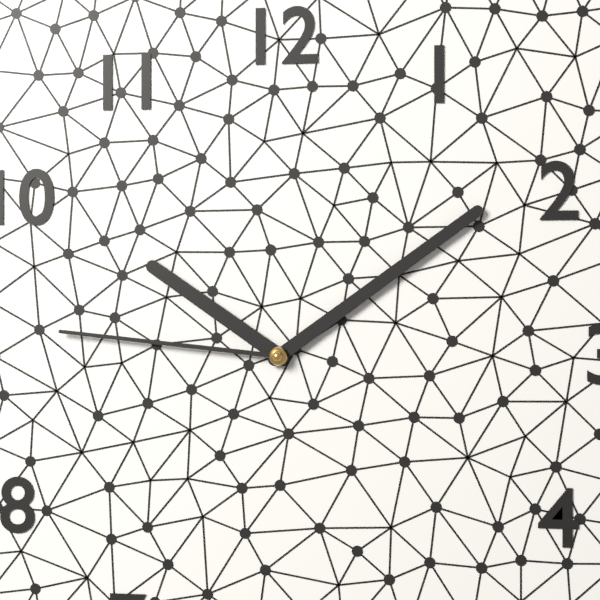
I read 10,09,46
